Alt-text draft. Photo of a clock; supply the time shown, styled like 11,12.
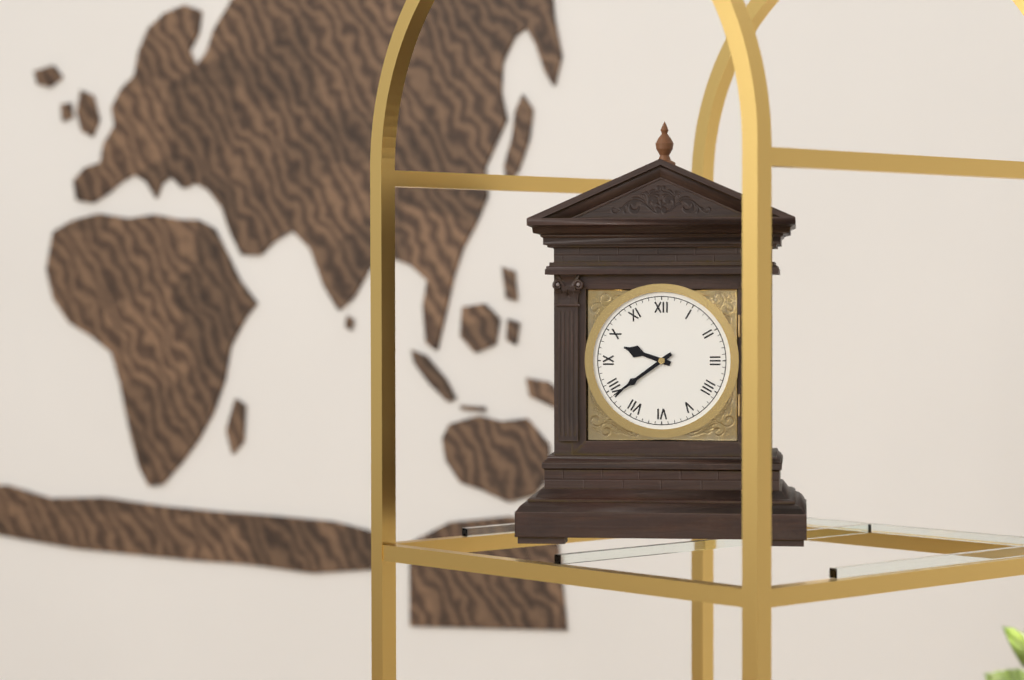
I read 9,39
